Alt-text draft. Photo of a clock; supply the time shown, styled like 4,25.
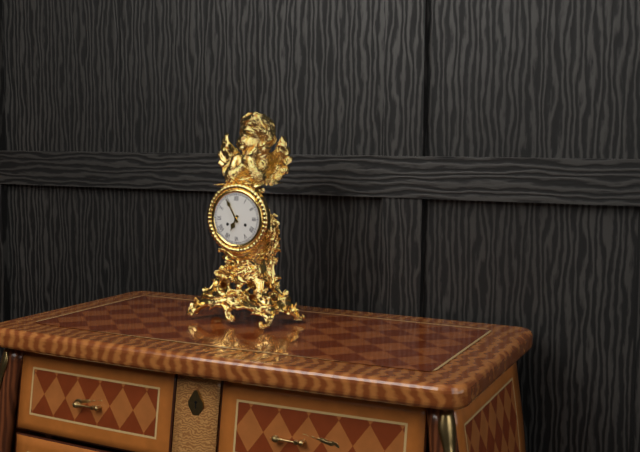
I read 6,55
